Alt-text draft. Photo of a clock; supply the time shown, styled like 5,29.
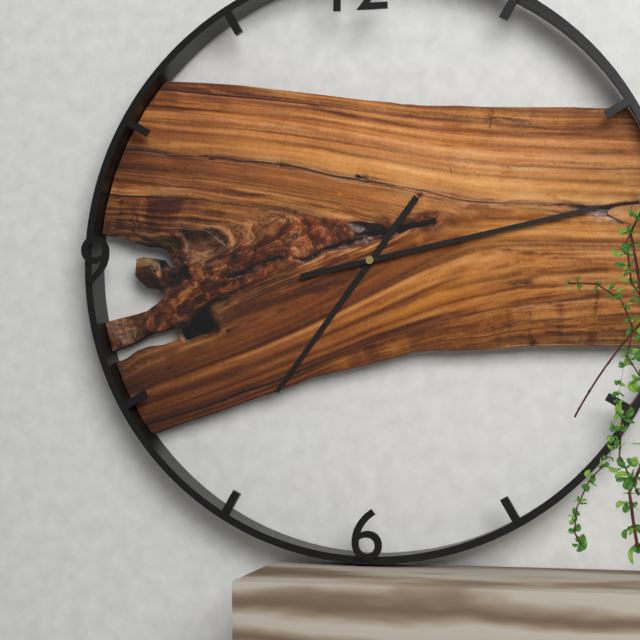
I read 7,13
